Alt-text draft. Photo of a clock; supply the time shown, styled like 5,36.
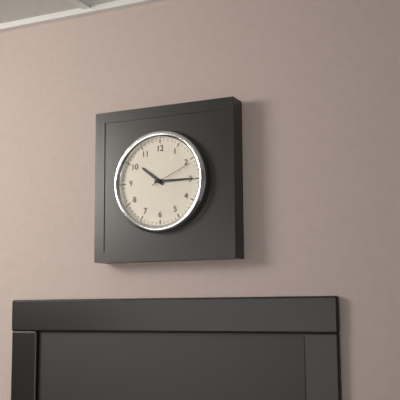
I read 10,15
